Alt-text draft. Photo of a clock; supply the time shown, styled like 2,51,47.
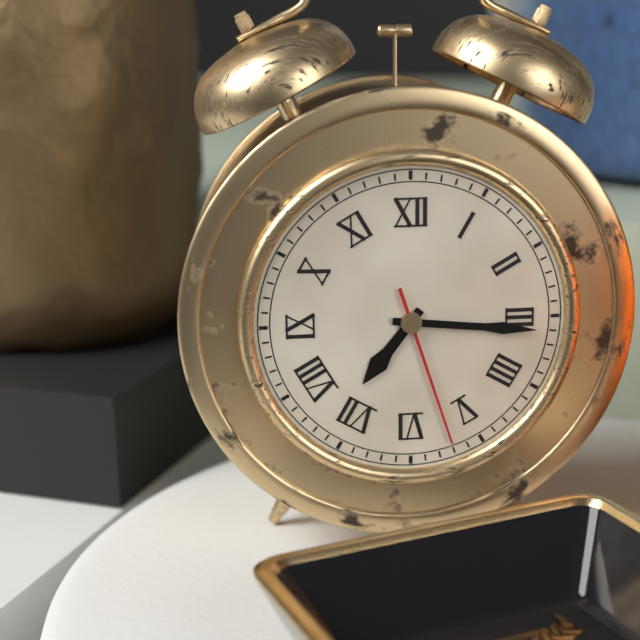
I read 7,16,27
